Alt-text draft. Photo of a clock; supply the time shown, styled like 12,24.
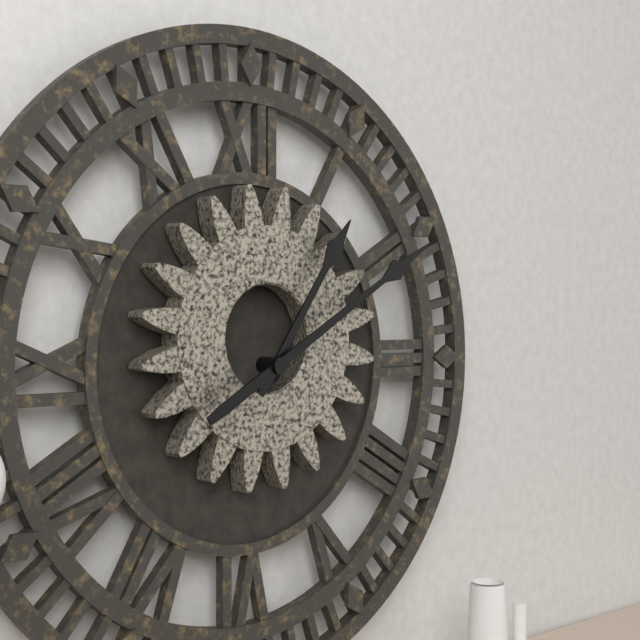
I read 1,10
